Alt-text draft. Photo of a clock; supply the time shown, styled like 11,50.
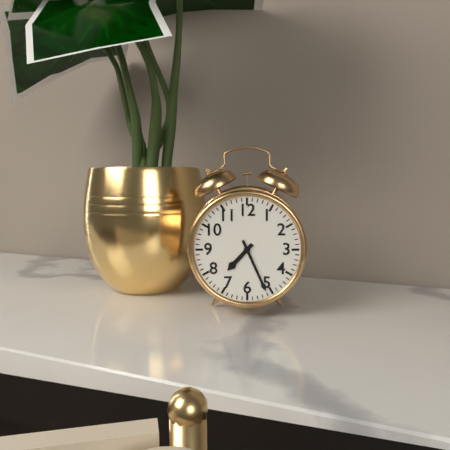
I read 7,26
